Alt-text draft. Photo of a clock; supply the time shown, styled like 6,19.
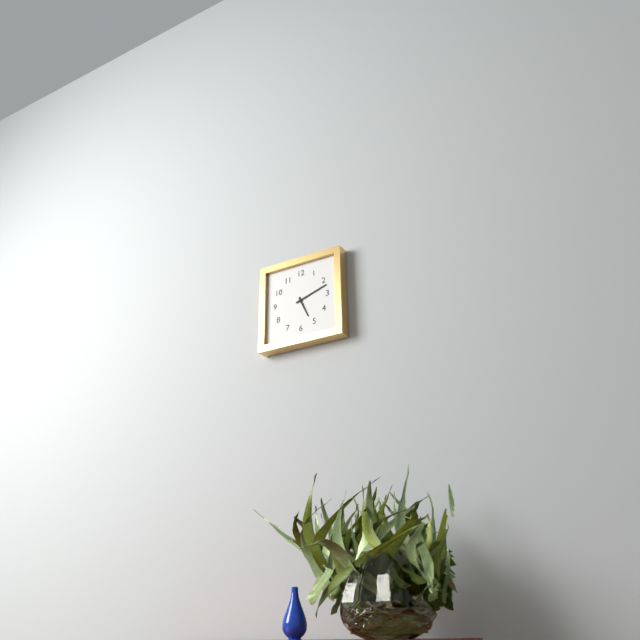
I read 5,12
